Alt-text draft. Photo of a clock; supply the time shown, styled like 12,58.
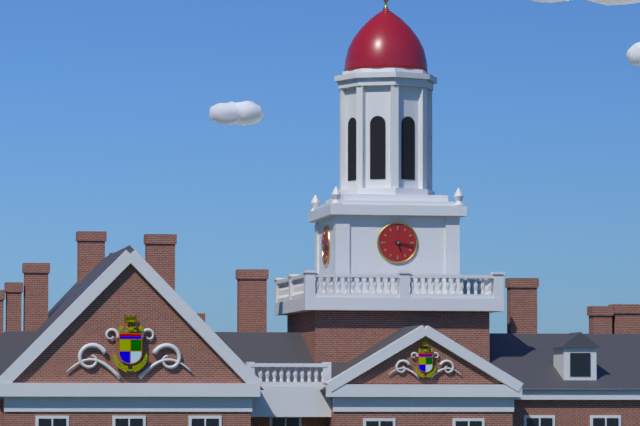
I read 5,17
